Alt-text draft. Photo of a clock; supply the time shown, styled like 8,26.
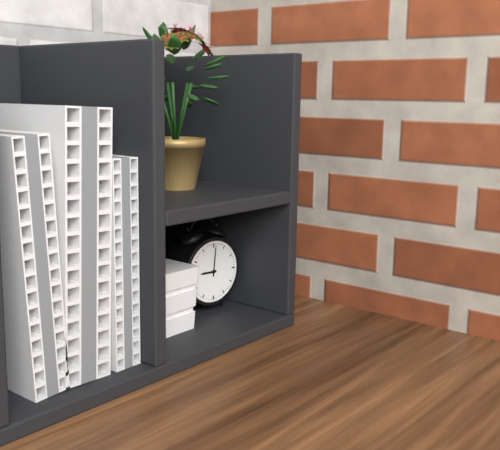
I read 9,01
